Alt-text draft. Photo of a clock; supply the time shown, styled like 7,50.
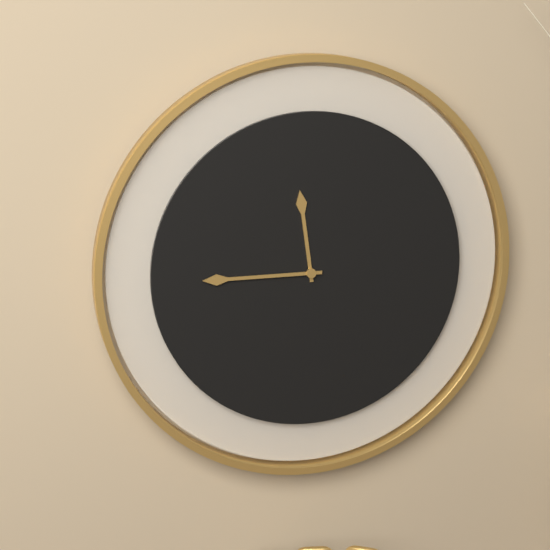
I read 11,45
